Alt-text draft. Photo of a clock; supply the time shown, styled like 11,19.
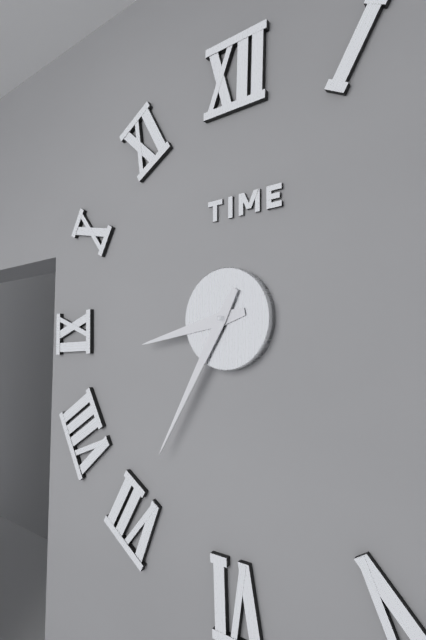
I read 8,35
